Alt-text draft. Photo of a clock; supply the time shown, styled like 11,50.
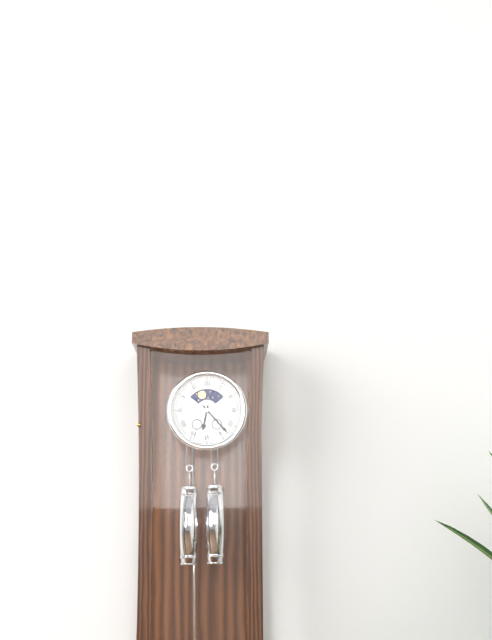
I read 6,23
